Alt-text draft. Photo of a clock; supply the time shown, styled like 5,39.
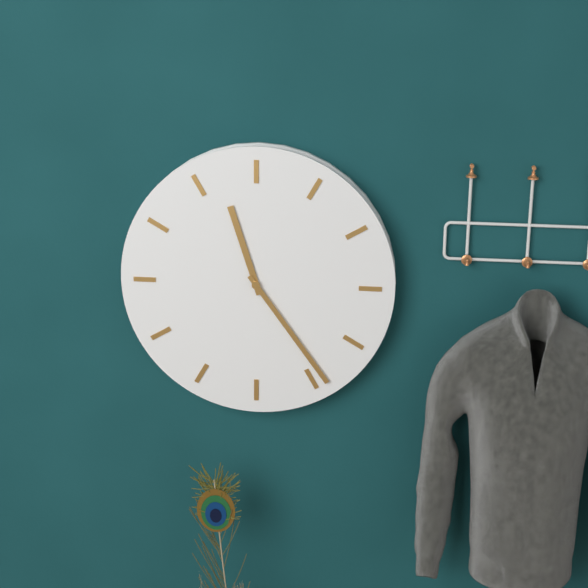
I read 11,24
